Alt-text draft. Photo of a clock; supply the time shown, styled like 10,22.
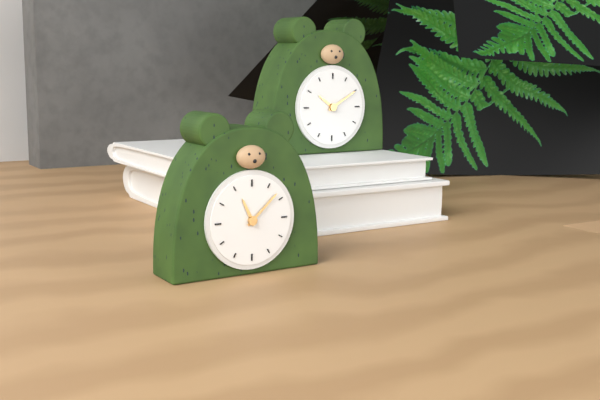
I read 11,08
